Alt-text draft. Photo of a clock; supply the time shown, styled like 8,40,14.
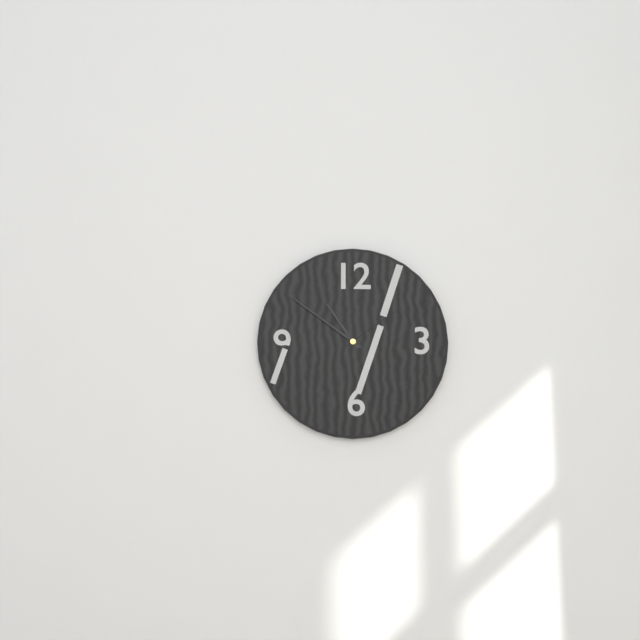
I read 10,51,09
